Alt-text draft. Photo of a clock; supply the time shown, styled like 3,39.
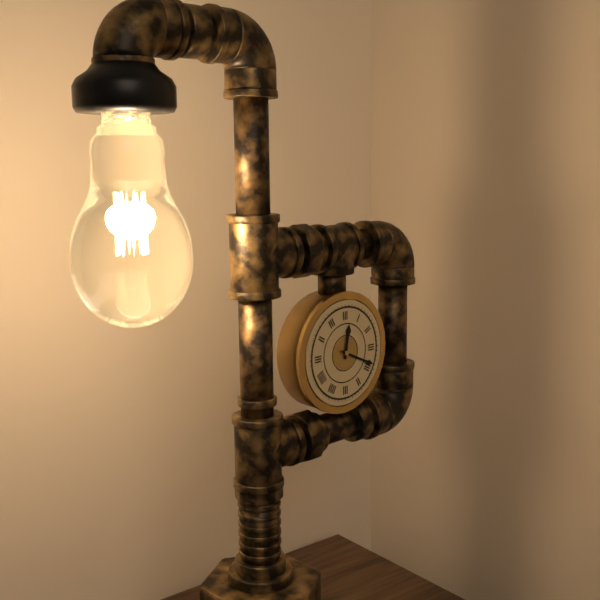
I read 12,19
